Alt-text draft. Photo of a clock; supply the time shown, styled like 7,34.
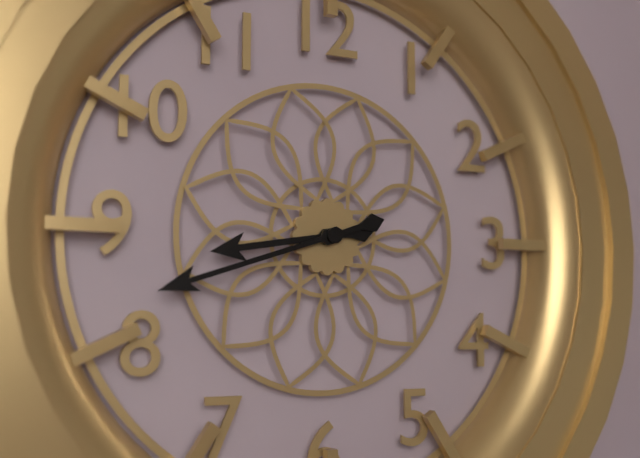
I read 8,42
